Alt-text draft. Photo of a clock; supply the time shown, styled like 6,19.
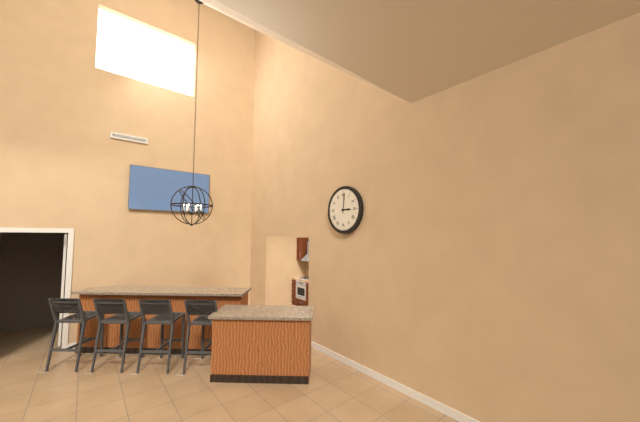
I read 3,01
